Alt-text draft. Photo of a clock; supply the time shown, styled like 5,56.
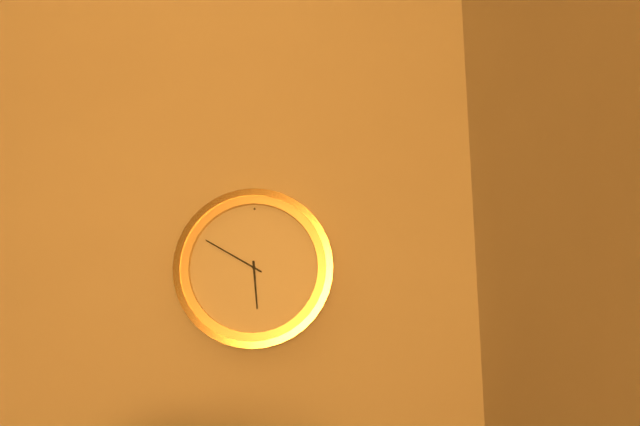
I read 5,50
